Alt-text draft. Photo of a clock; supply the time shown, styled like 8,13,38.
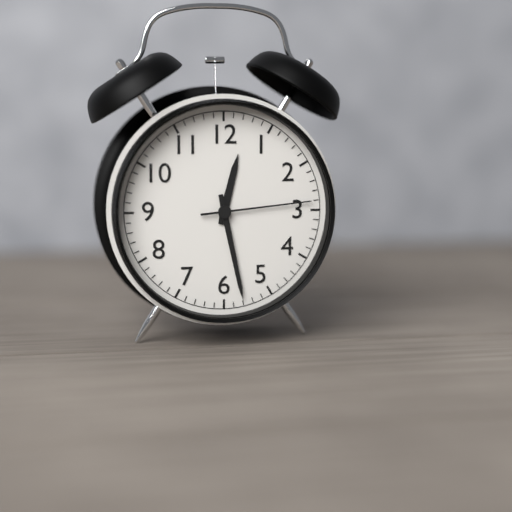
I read 12,28,14
